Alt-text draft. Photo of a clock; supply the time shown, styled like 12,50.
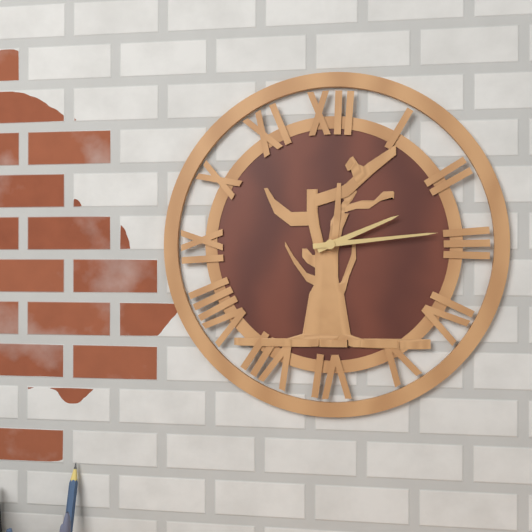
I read 2,14
